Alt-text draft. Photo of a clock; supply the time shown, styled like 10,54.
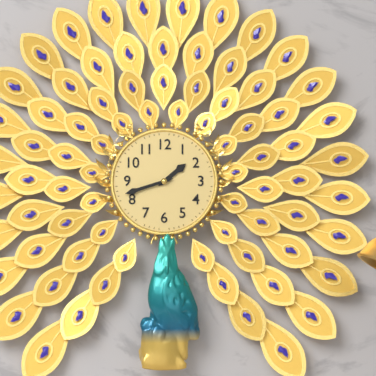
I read 1,42
